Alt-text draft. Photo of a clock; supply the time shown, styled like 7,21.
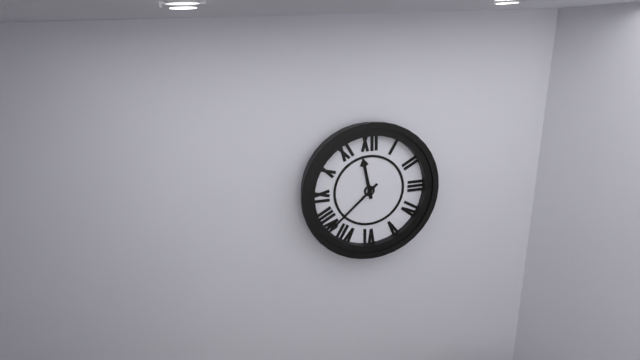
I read 11,38
